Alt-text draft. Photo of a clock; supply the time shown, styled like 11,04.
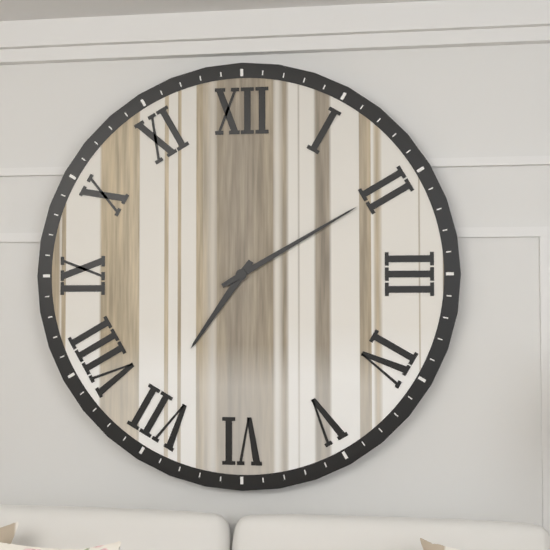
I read 7,10
